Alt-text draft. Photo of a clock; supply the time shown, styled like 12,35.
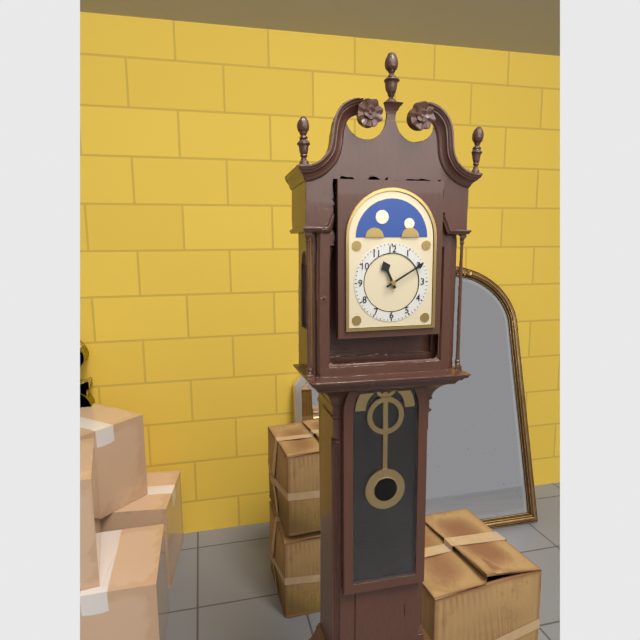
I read 11,10
